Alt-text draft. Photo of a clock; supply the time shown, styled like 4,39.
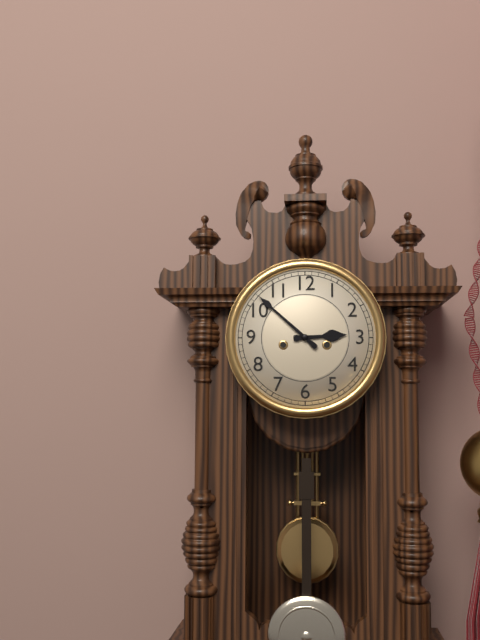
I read 2,52
